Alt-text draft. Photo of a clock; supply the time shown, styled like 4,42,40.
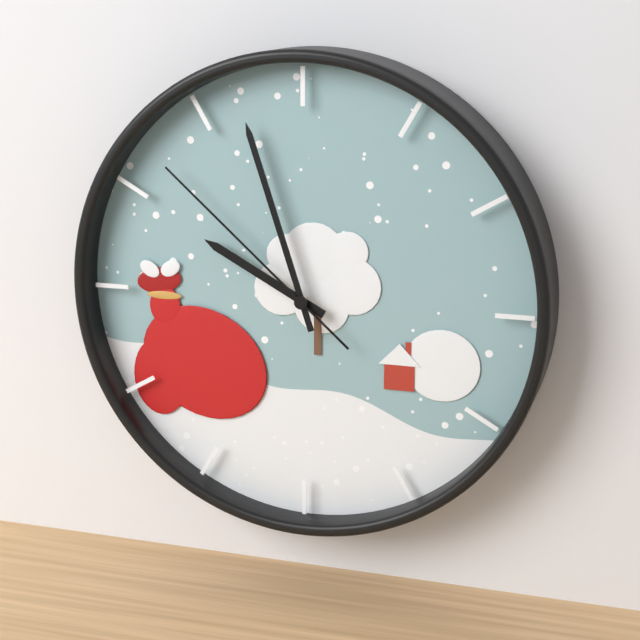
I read 9,57,52
